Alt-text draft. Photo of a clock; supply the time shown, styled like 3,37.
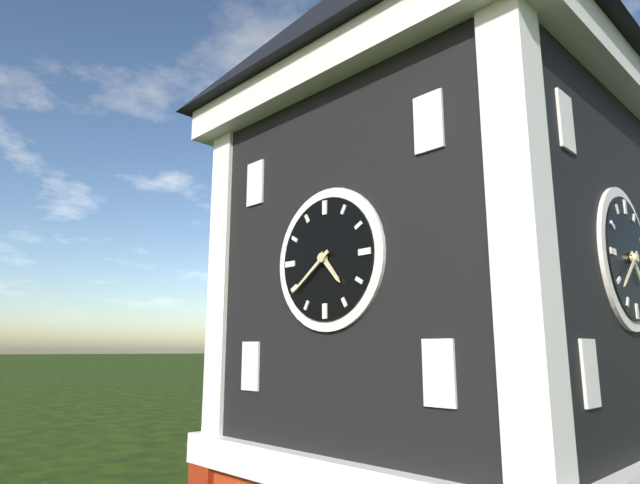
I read 4,39
